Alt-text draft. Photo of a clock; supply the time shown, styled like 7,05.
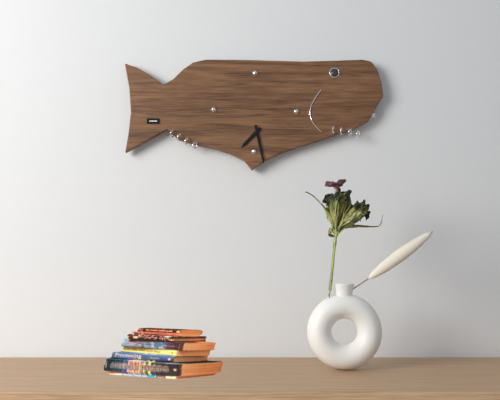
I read 7,28
